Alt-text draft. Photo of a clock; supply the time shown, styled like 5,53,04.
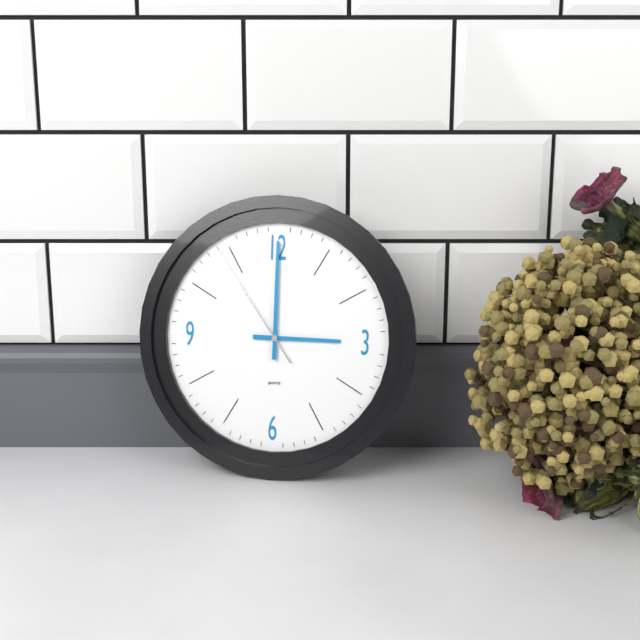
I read 3,00,54
